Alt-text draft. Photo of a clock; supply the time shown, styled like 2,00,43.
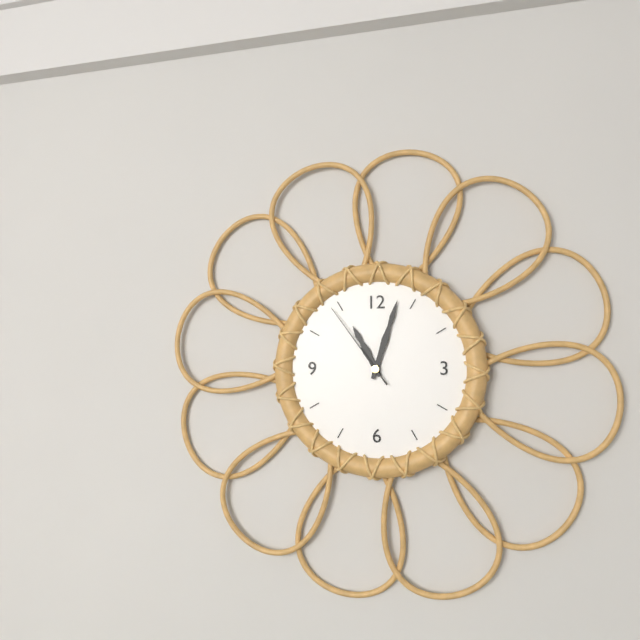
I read 11,03,54
